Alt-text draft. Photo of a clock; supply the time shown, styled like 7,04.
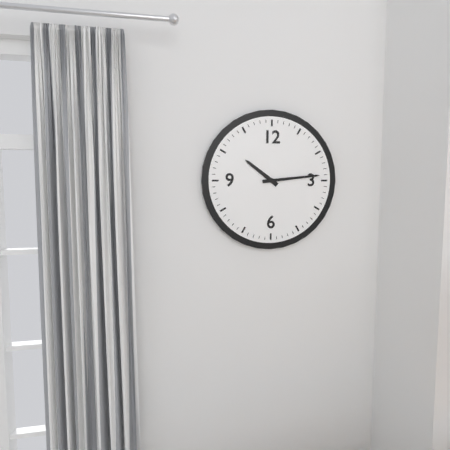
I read 10,14
